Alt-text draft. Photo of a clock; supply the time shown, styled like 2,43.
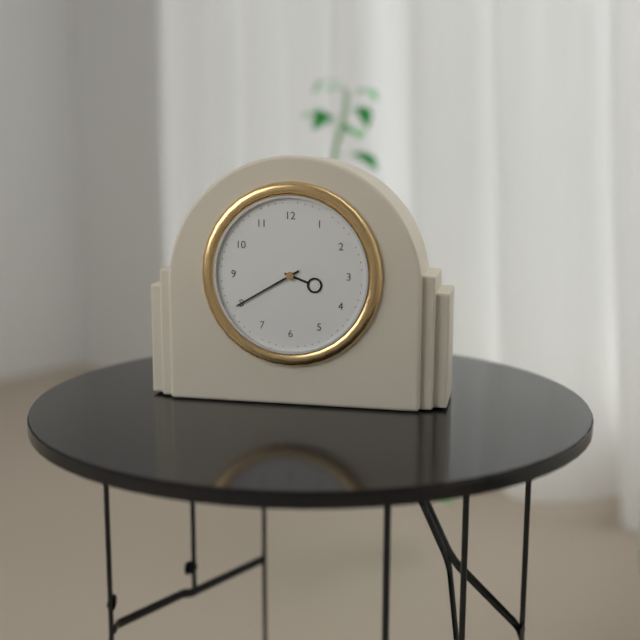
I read 3,40
